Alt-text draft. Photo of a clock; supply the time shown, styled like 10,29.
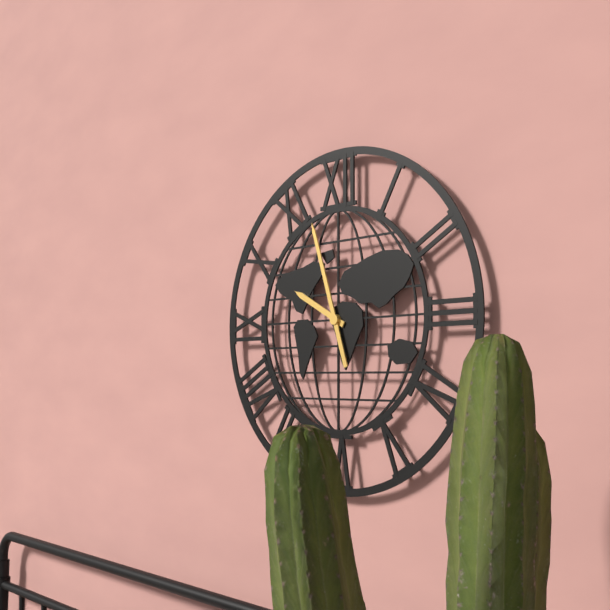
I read 9,57
